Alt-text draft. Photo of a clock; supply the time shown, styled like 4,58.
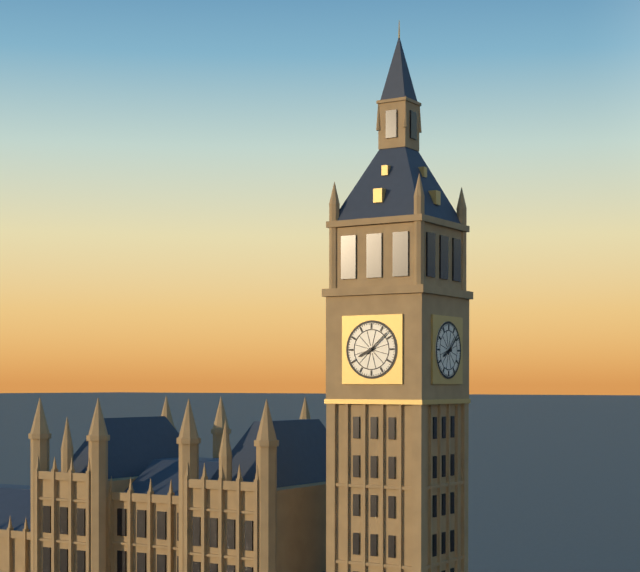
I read 8,08
